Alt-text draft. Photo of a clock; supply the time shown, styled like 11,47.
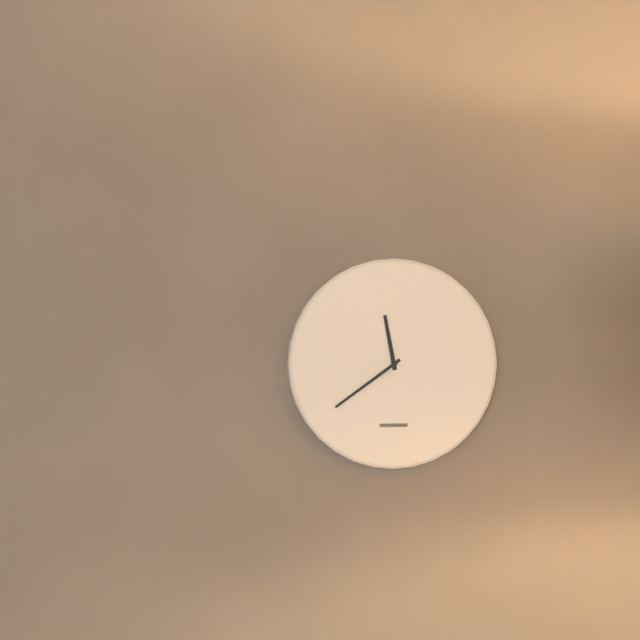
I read 11,39
